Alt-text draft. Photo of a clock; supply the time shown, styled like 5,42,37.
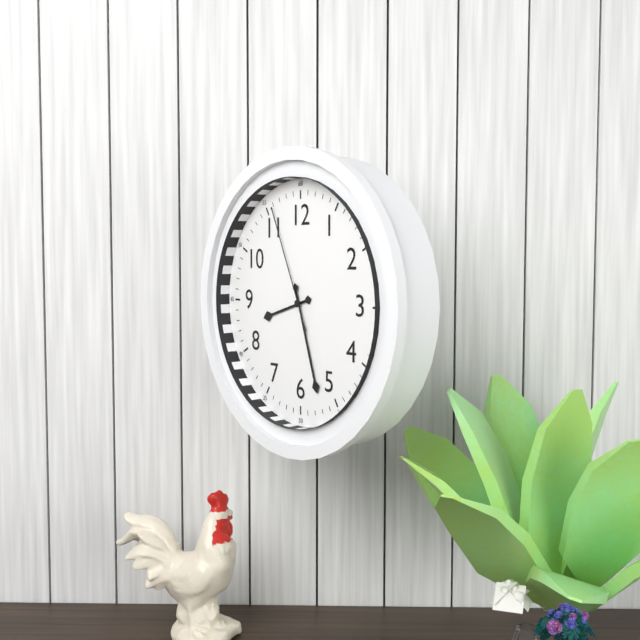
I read 8,27,56
